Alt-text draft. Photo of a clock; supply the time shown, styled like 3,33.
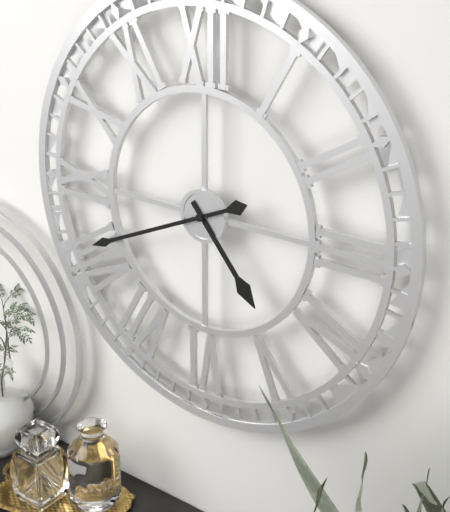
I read 4,41
